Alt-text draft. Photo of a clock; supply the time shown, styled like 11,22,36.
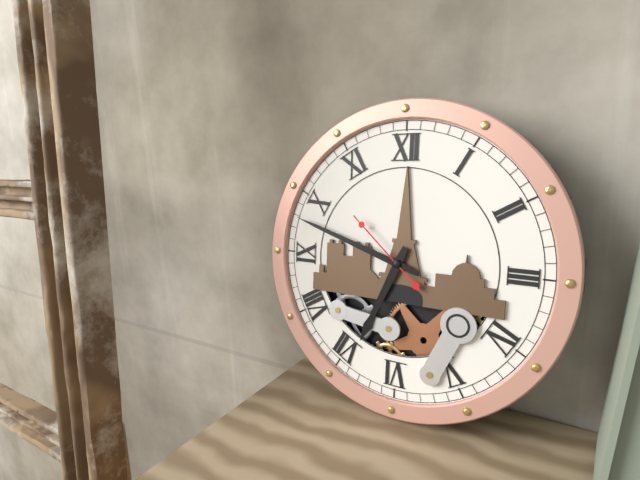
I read 6,48,52
